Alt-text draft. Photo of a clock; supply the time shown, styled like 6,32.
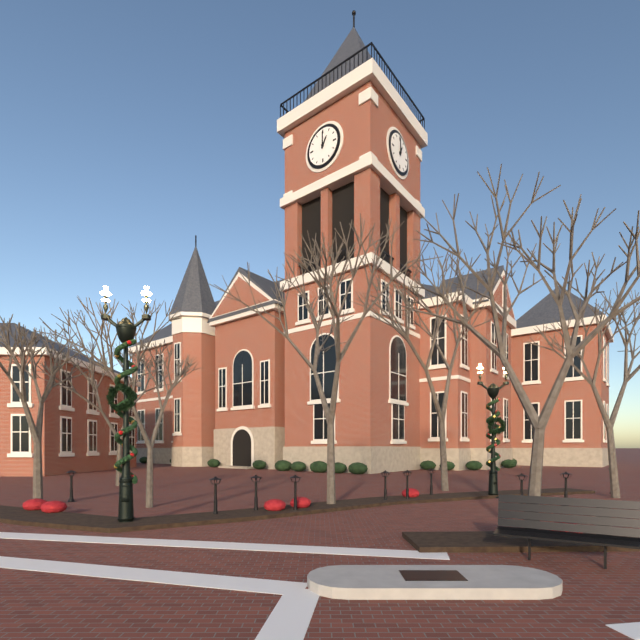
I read 1,00
